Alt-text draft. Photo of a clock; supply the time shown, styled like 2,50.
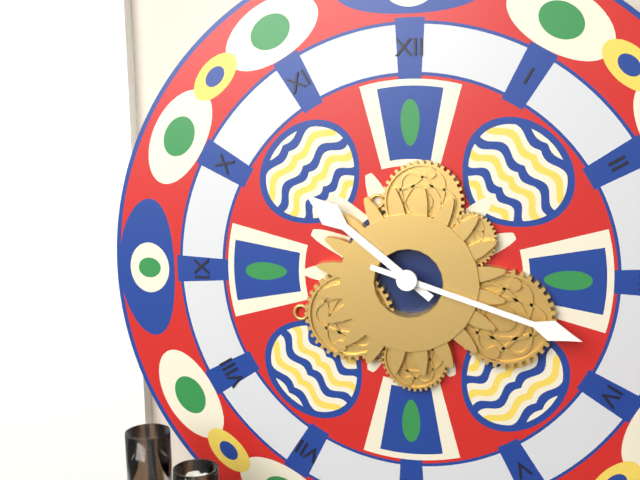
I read 10,18
